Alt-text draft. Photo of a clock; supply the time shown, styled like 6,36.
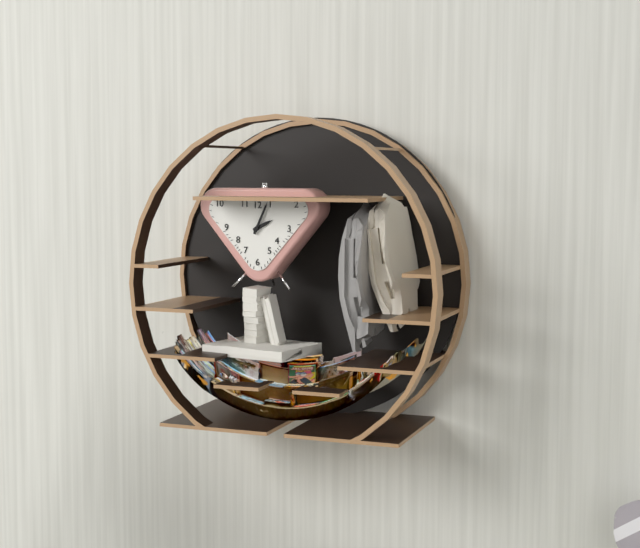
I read 2,04
